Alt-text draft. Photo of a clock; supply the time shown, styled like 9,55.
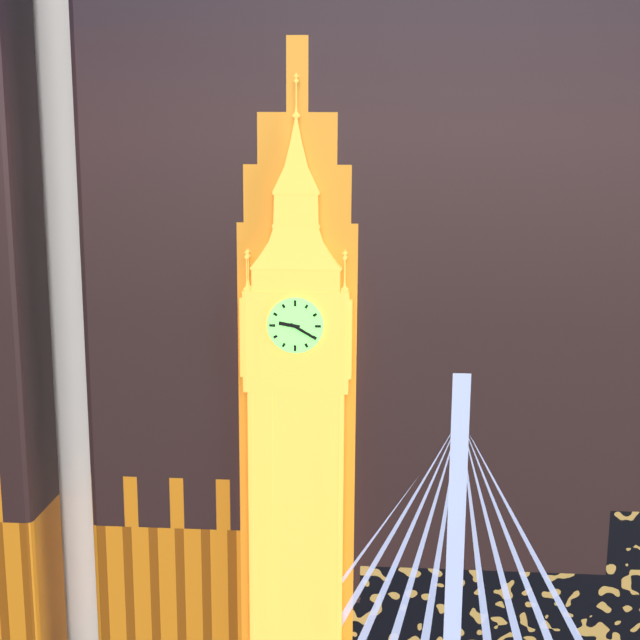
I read 9,20
